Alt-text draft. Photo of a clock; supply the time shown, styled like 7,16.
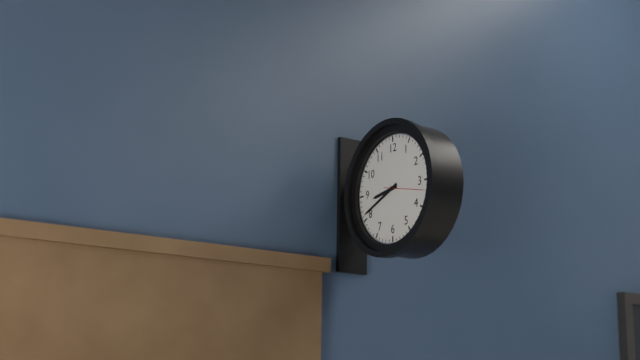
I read 8,41
